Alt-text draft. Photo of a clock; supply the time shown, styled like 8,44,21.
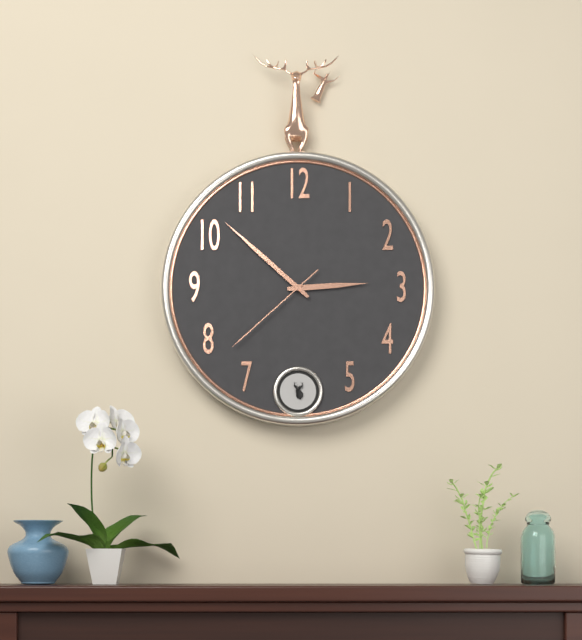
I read 2,52,38
